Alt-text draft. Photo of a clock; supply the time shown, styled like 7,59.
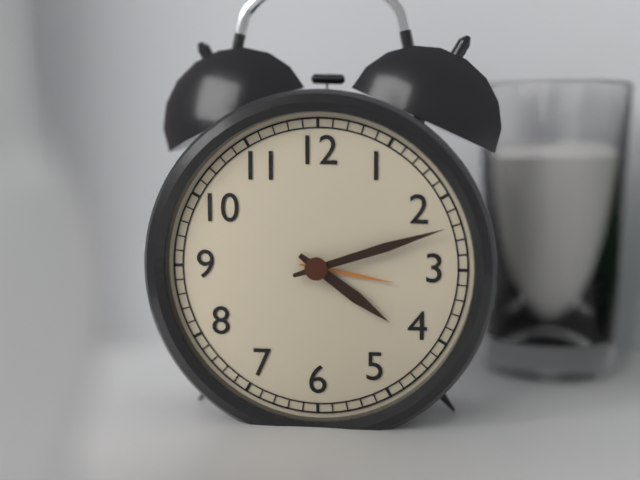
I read 4,12
